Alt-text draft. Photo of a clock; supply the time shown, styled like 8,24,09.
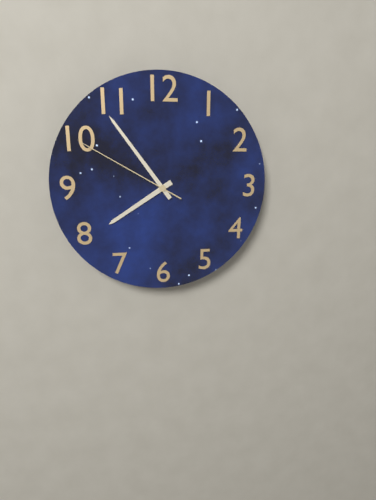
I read 7,54,50
